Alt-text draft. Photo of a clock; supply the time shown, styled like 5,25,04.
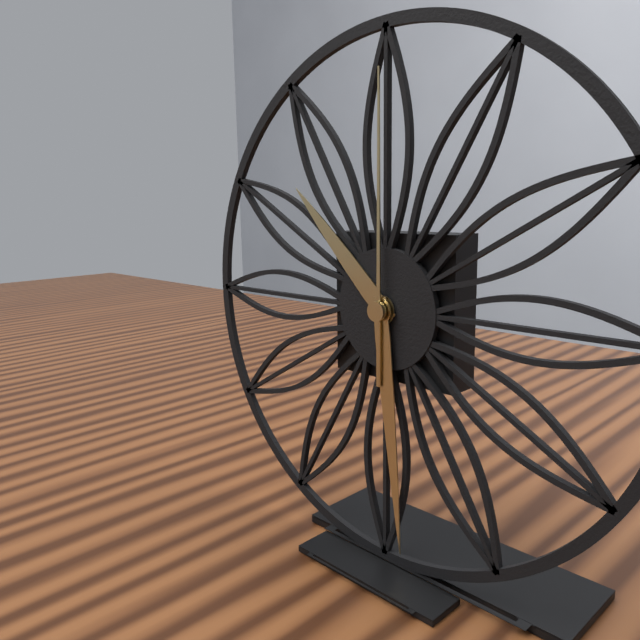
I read 10,29,00
